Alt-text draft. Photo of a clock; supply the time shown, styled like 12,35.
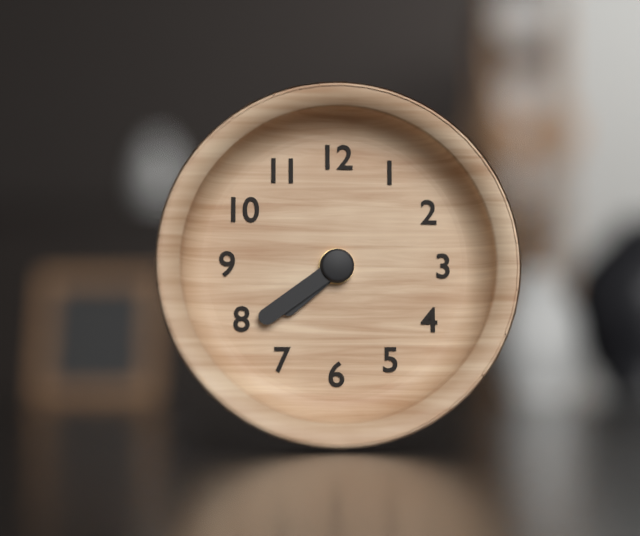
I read 7,39
